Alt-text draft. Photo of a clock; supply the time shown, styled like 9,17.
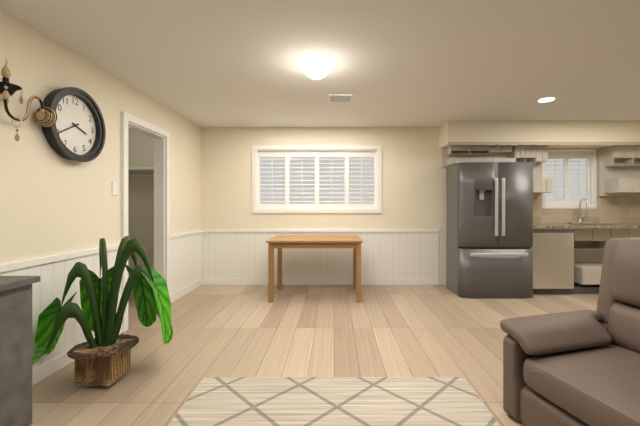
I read 3,40
